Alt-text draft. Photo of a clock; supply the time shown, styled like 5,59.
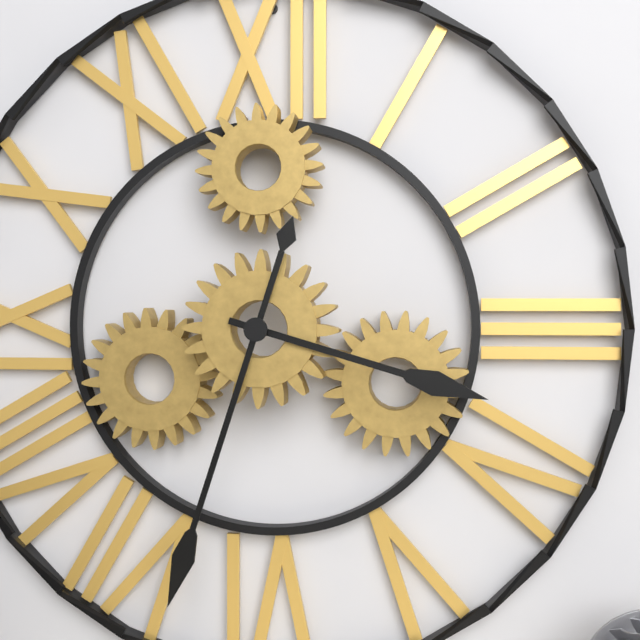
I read 3,33
